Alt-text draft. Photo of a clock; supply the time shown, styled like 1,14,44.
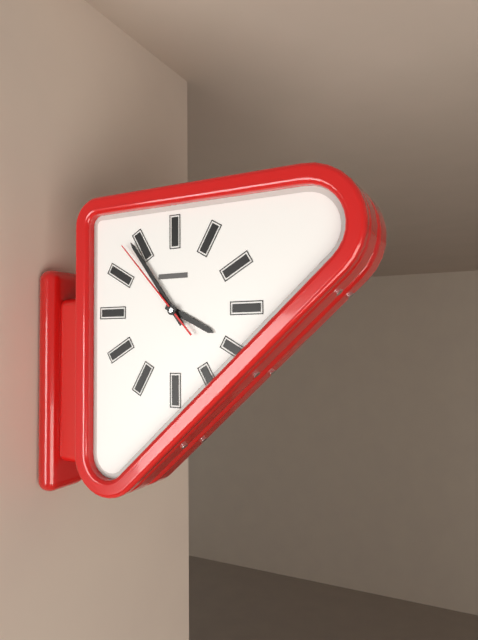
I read 3,54,53
